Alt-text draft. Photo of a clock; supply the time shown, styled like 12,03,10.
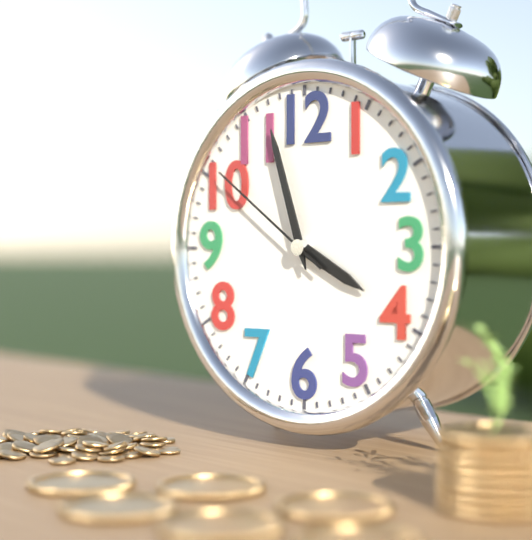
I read 3,57,51
